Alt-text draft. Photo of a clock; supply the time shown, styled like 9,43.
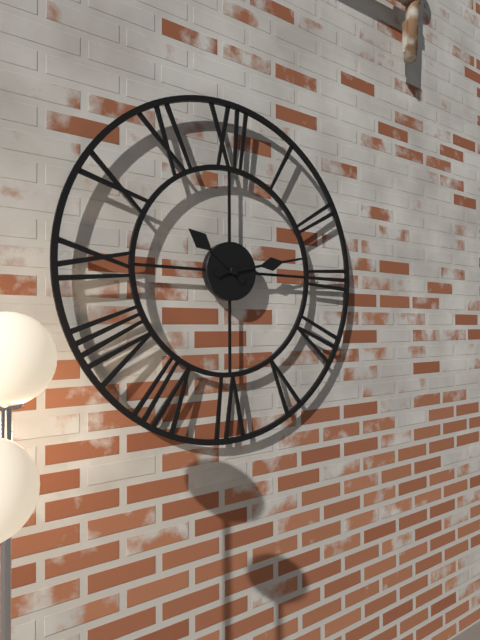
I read 10,13
